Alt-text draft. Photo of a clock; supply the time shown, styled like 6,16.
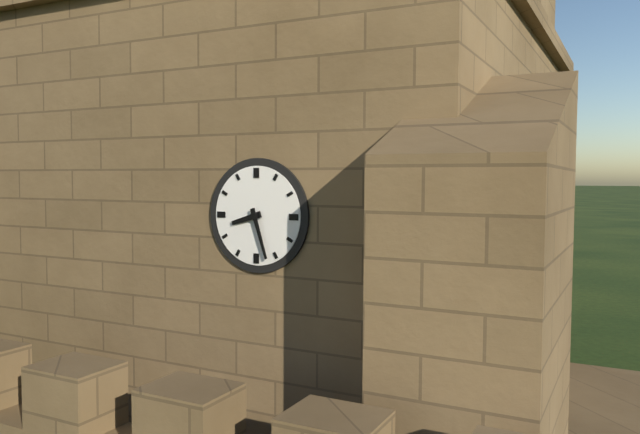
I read 8,27
